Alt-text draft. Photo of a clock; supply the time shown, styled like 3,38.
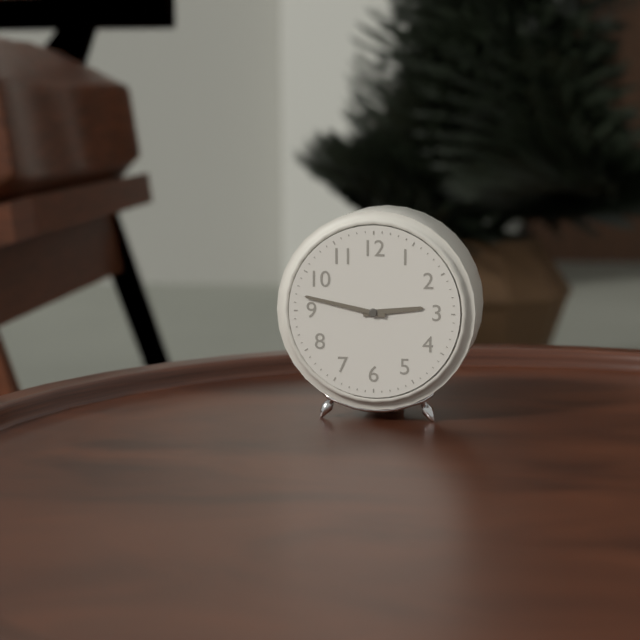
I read 2,47
